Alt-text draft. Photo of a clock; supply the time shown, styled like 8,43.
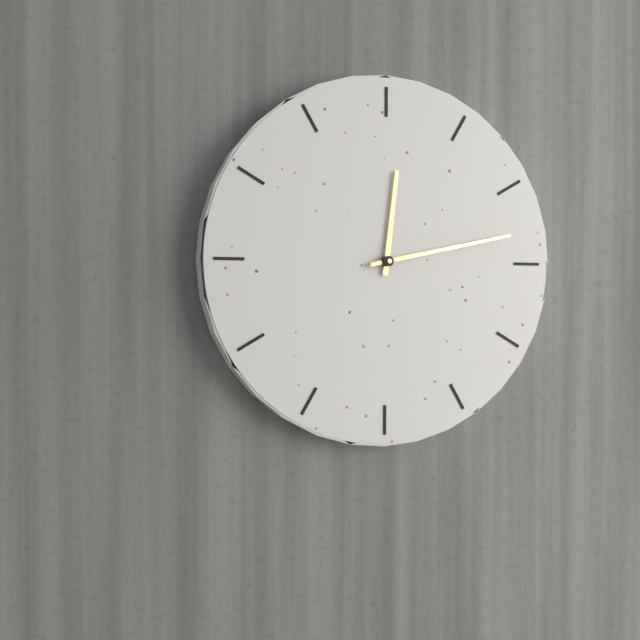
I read 12,13
